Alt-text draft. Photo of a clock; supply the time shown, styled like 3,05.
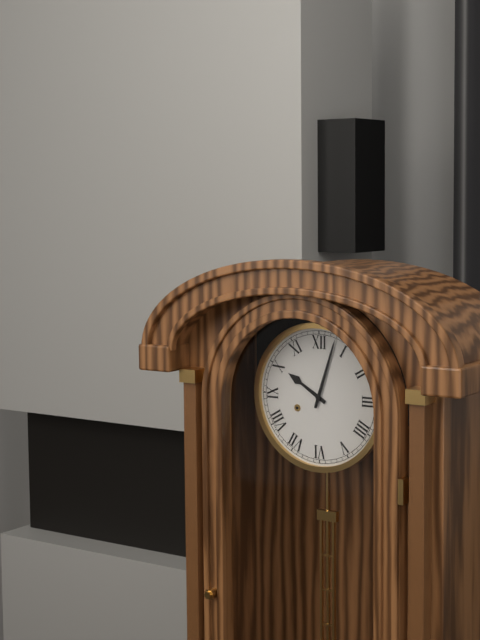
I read 10,03
